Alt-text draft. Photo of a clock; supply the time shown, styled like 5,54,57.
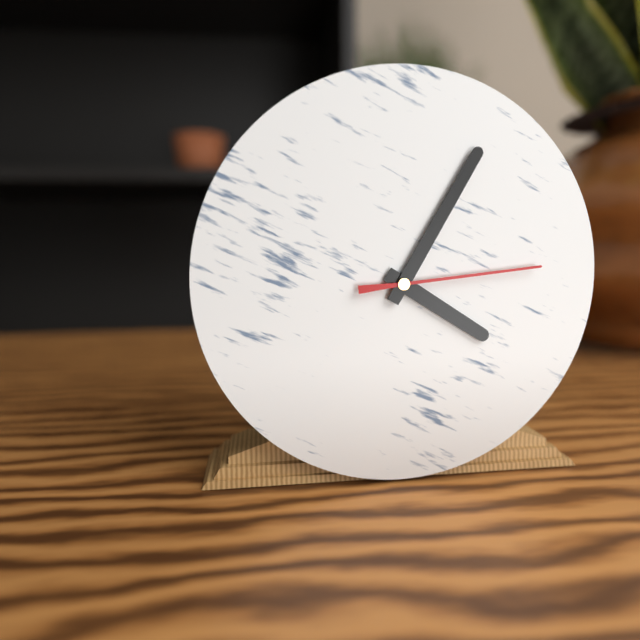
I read 4,05,14
